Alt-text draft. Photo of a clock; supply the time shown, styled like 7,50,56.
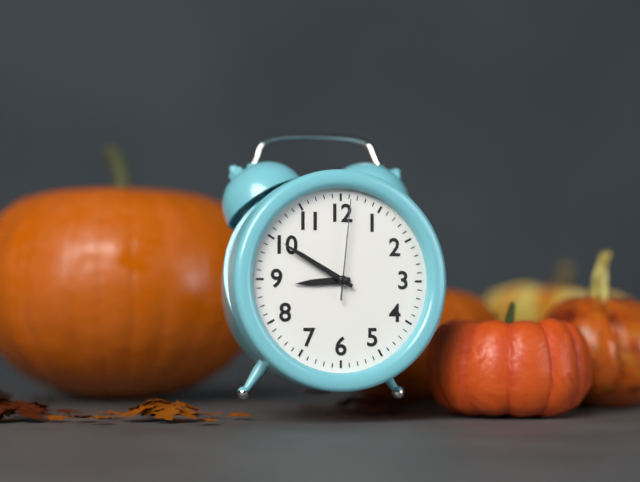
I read 8,50,01
